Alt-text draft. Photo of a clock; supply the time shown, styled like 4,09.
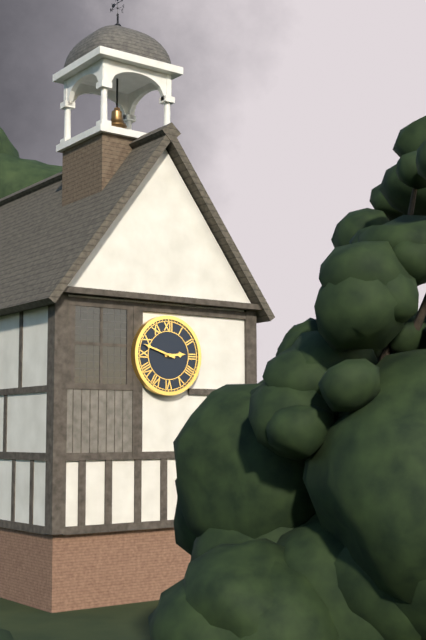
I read 2,48
